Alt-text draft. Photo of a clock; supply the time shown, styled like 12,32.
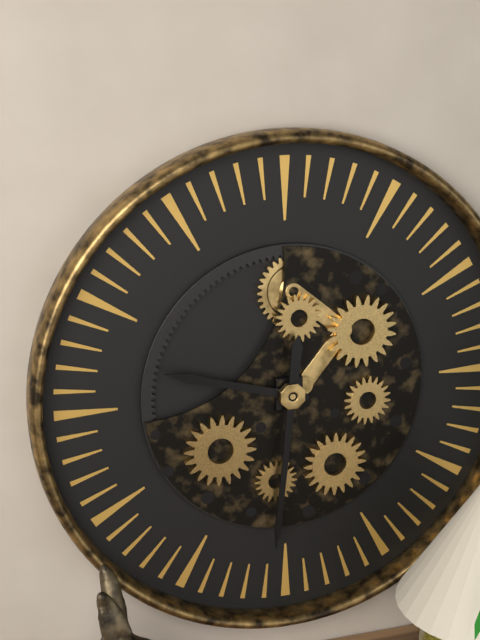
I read 9,31
